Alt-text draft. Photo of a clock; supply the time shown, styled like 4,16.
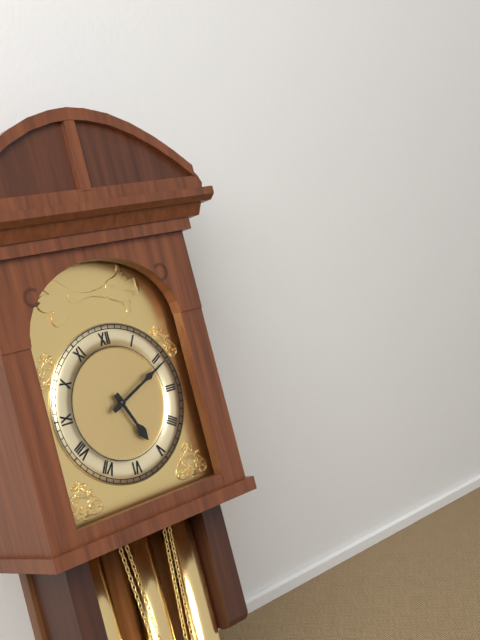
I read 5,11
